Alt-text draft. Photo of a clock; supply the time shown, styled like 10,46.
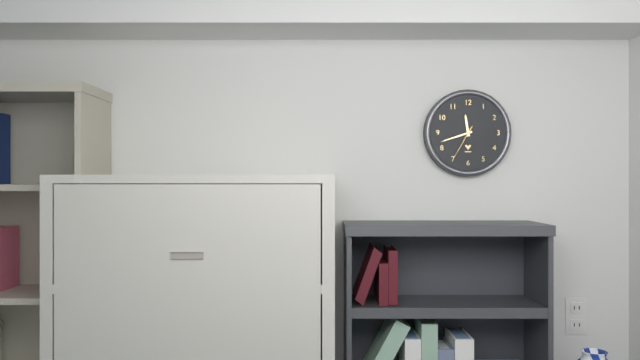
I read 11,42
